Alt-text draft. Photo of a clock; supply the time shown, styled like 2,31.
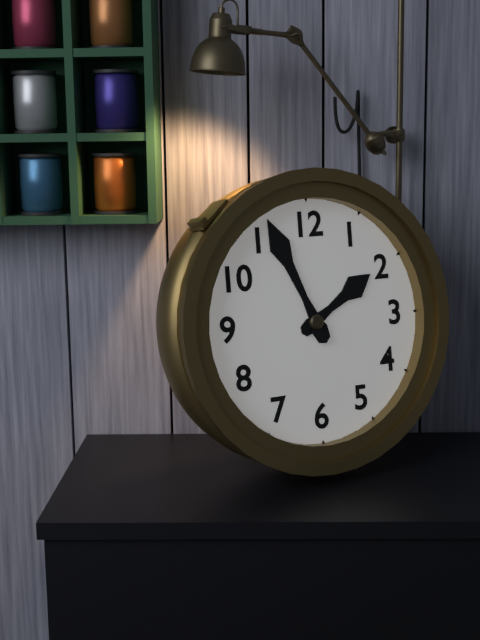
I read 1,56
